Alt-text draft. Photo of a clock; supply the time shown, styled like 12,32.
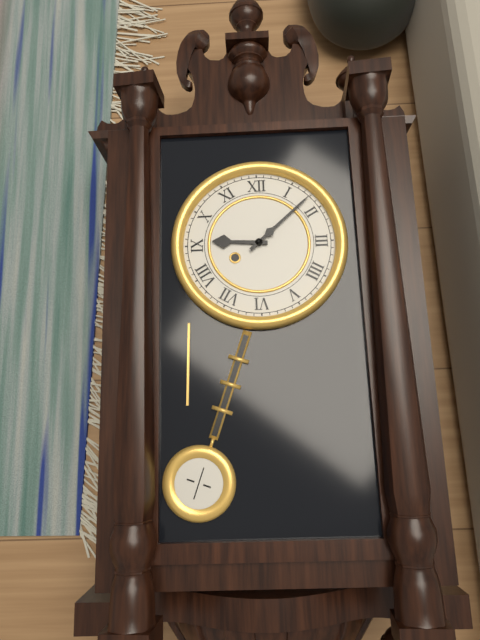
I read 9,08
